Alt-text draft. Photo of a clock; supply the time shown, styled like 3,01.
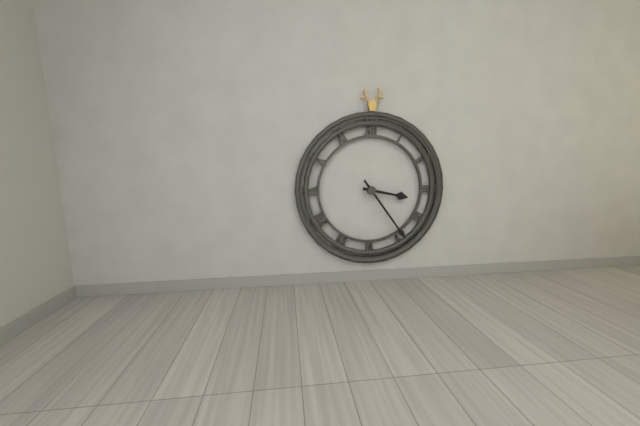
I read 3,24
